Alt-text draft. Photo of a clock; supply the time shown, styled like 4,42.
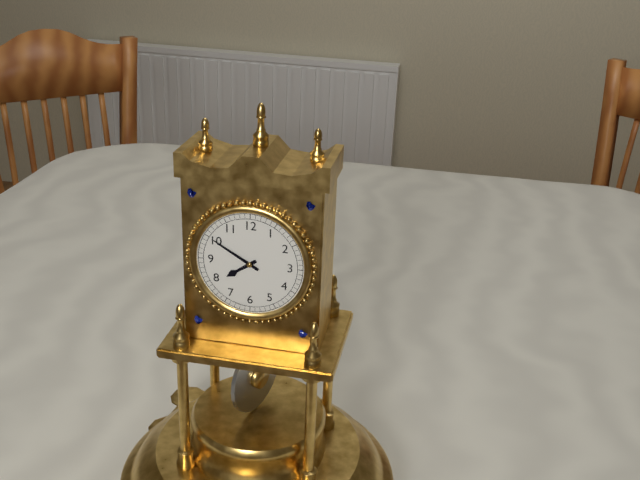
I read 7,50
